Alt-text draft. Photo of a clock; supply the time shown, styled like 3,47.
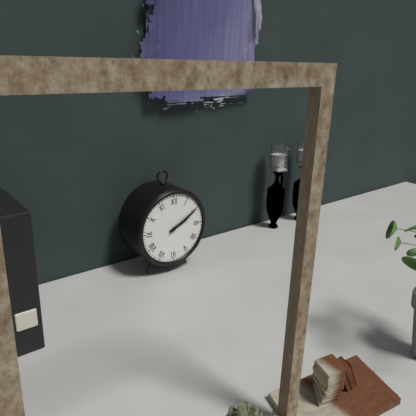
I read 2,10
